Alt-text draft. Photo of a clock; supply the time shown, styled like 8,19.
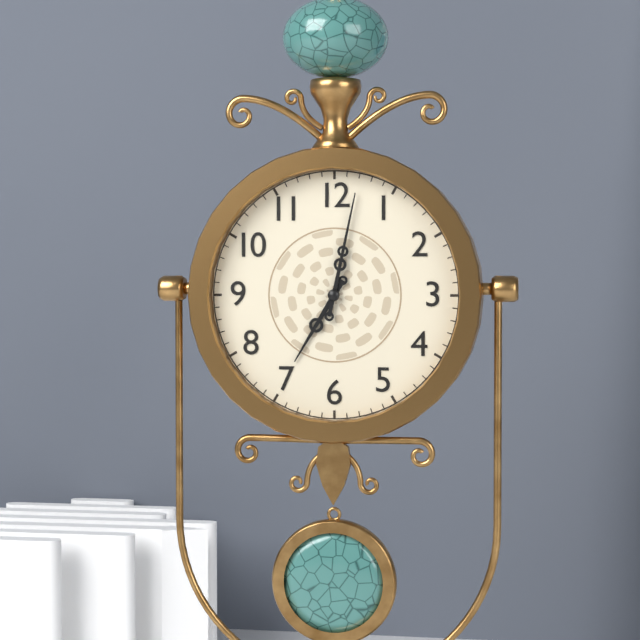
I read 7,02
